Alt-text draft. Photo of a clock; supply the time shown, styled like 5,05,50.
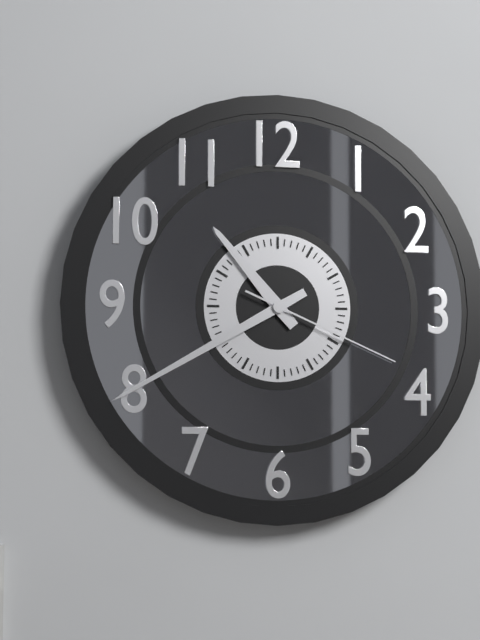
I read 10,40,19
